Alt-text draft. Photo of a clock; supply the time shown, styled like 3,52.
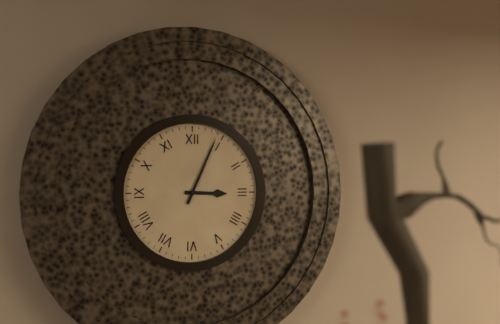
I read 3,04
